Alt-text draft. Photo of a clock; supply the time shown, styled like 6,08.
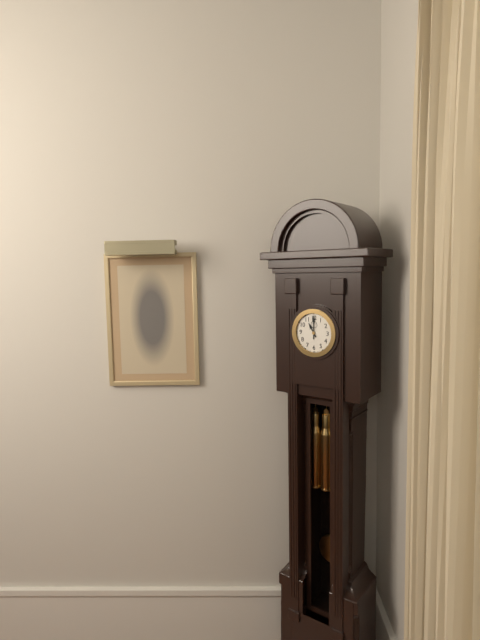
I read 11,00
